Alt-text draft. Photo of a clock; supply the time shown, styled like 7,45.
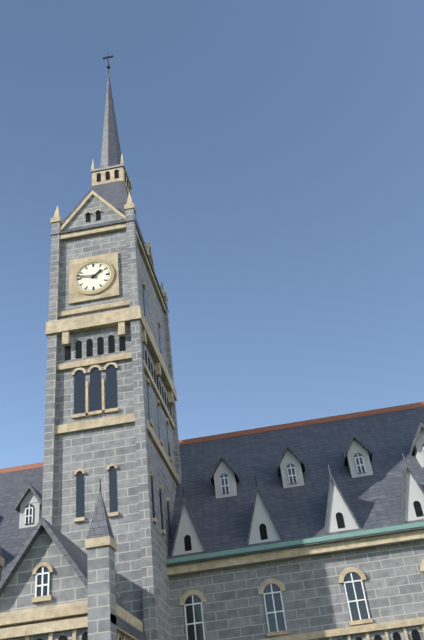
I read 1,47
